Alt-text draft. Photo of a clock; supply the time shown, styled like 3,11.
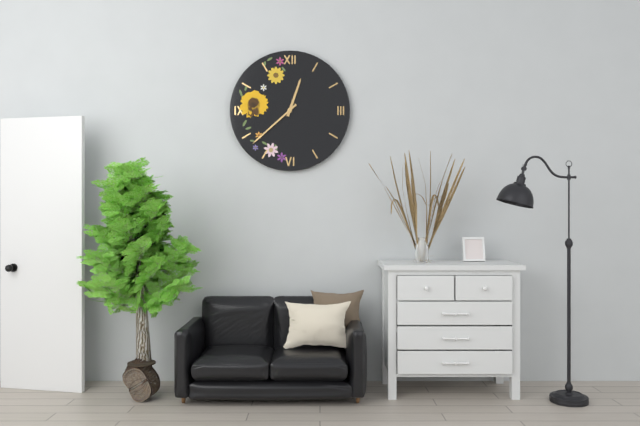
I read 12,38
